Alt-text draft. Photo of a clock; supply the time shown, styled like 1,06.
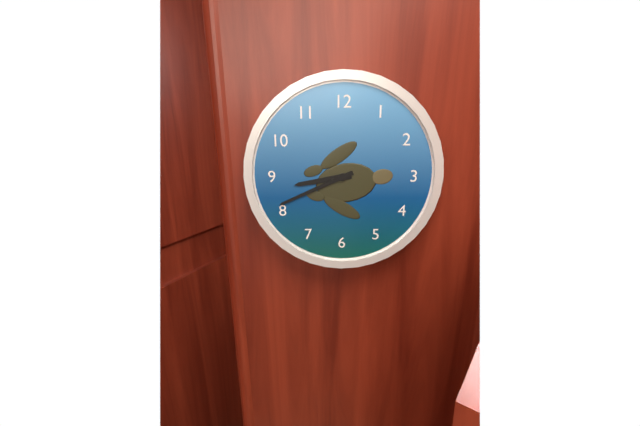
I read 8,41
